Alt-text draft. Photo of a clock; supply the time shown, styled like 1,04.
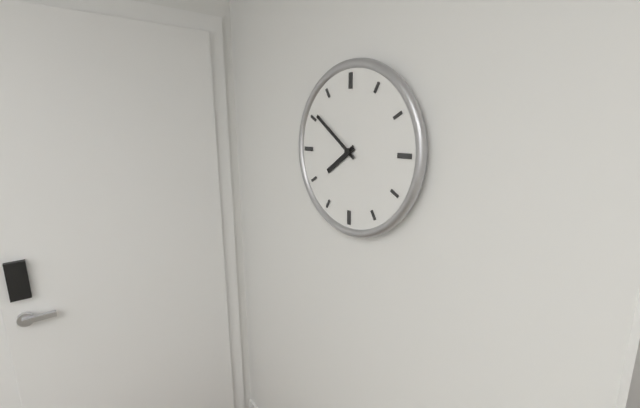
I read 7,51
